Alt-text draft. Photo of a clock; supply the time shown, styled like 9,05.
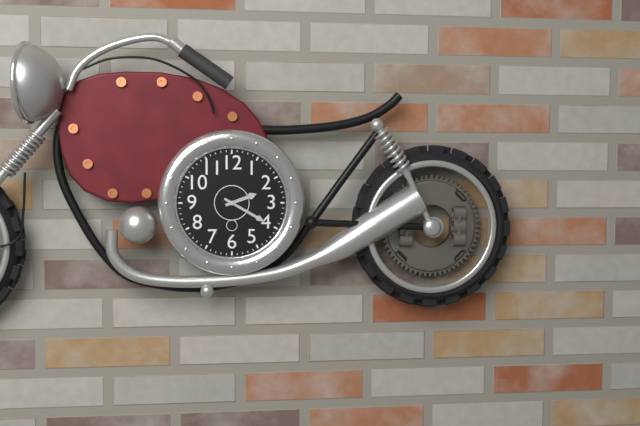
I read 2,20
